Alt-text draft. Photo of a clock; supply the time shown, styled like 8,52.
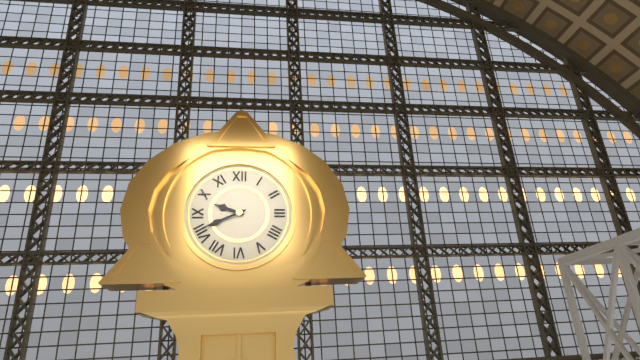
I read 9,41
